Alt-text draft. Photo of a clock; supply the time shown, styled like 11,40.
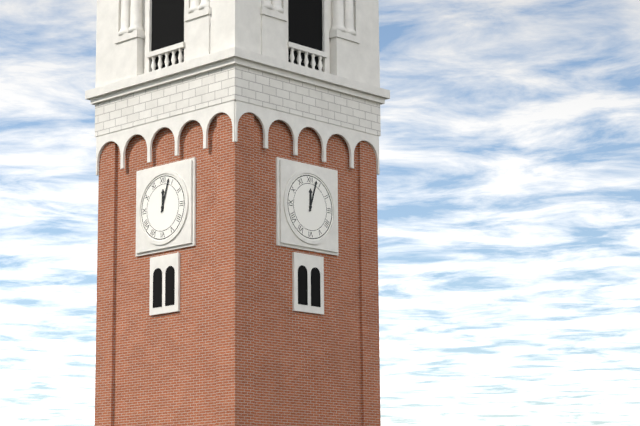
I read 12,03
